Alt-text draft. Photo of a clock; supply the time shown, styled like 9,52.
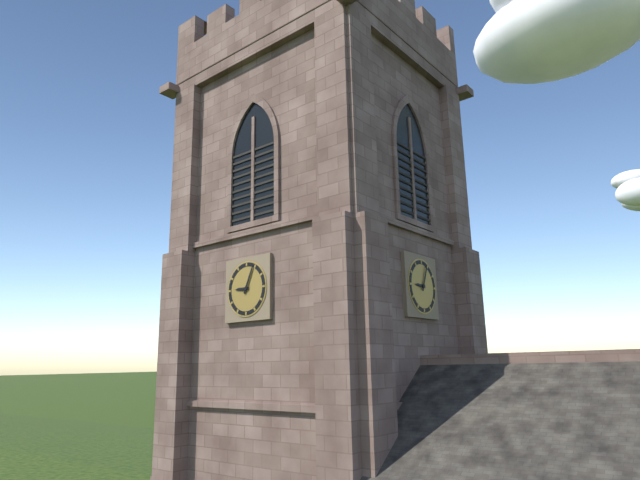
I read 9,04
